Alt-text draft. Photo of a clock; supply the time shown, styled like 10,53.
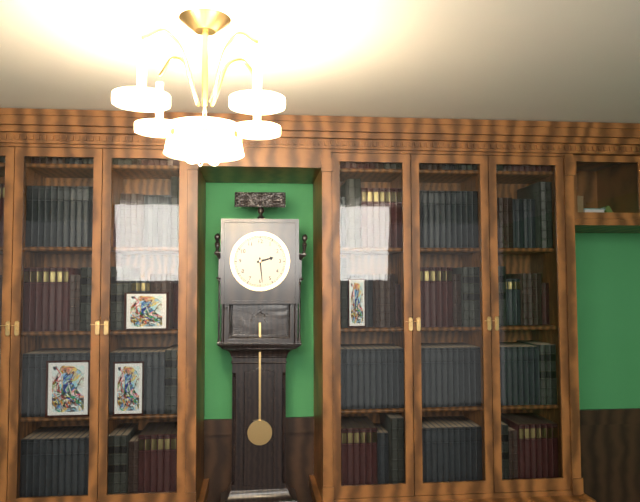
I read 2,29
